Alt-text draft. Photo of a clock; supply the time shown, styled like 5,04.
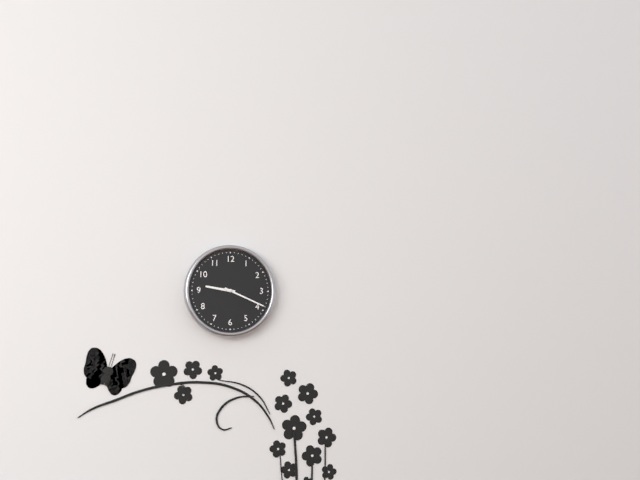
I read 9,19
